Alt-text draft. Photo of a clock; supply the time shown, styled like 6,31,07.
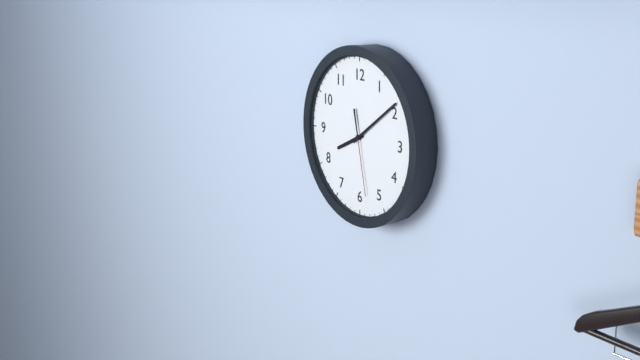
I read 8,09,28
